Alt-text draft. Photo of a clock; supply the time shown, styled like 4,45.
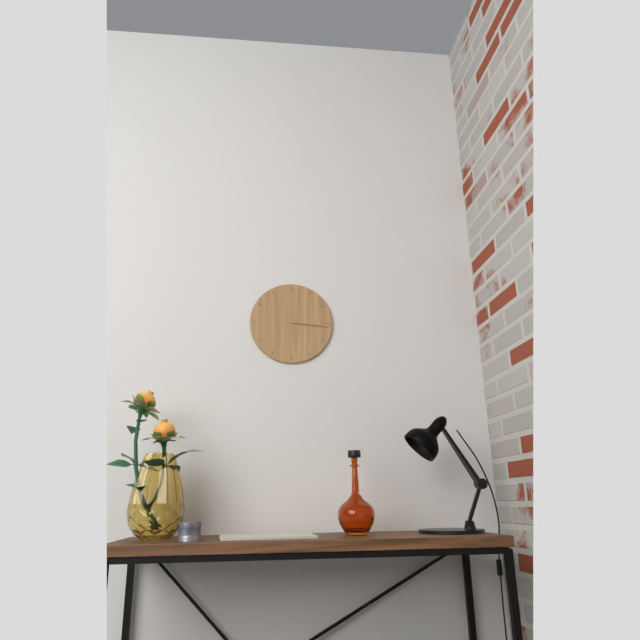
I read 3,16
